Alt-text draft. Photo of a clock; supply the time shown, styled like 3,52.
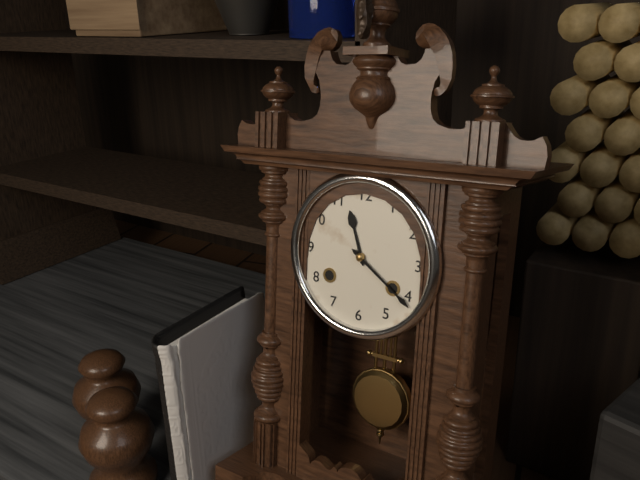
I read 11,21
